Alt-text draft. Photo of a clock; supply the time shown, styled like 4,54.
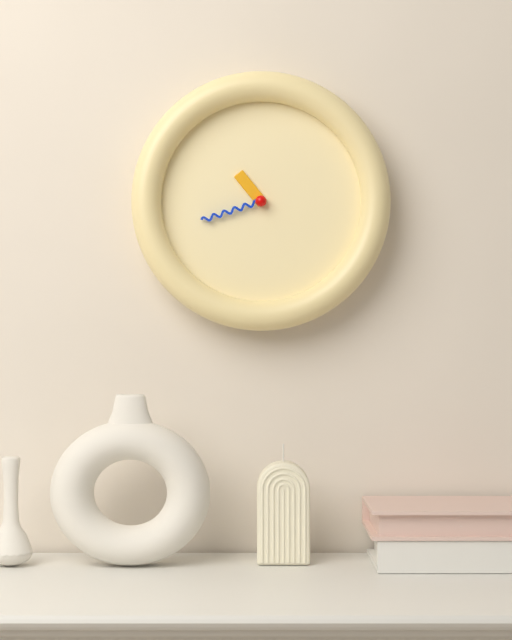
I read 10,42
